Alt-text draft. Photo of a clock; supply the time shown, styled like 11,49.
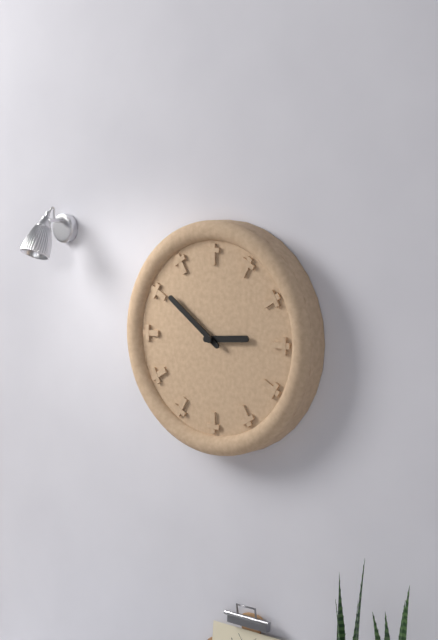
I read 2,51
